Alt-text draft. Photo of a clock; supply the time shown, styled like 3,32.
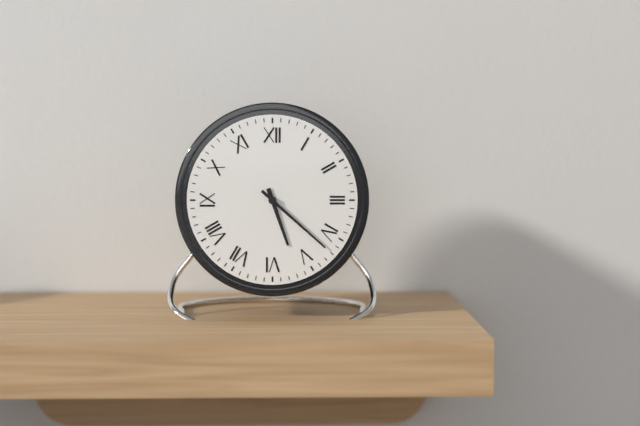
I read 5,22
